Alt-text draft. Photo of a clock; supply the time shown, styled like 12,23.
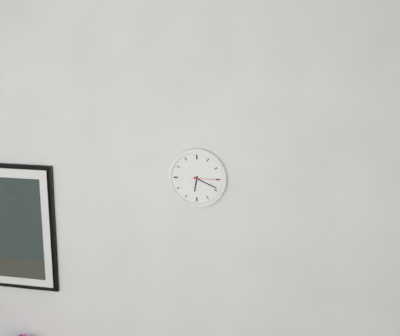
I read 6,19
